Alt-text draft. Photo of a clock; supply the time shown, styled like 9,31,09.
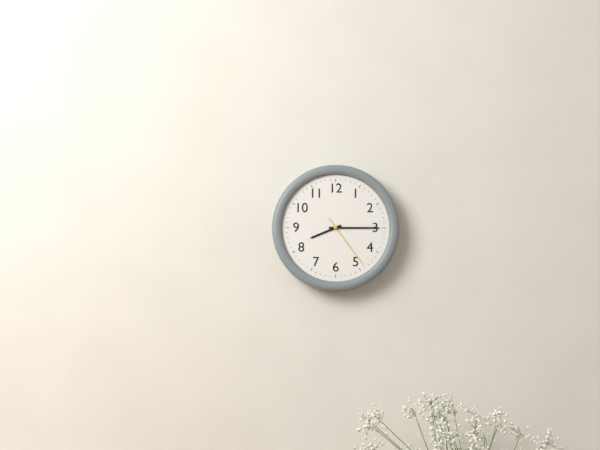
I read 8,15,24
